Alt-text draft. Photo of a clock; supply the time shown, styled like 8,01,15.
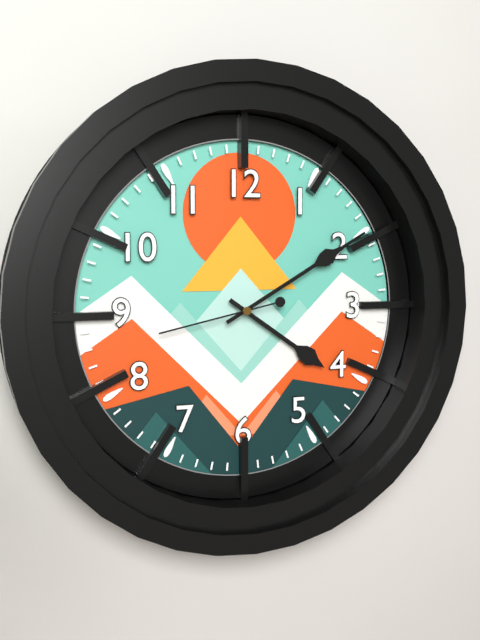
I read 4,10,43
